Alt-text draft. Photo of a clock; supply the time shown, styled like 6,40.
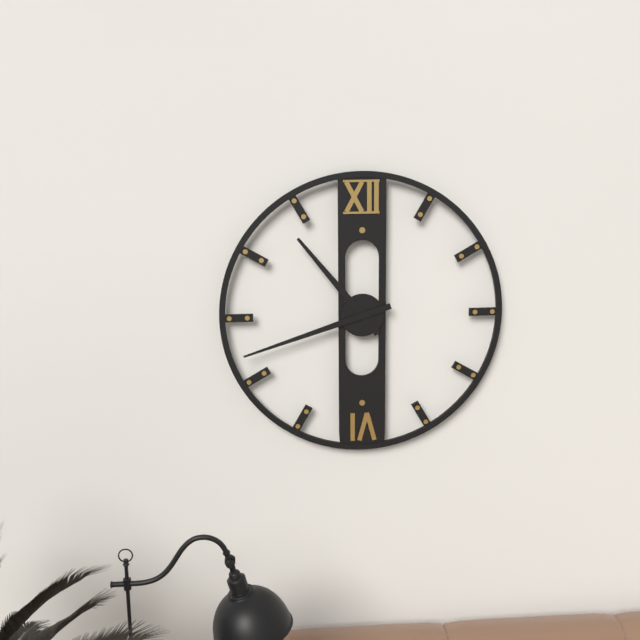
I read 10,42
